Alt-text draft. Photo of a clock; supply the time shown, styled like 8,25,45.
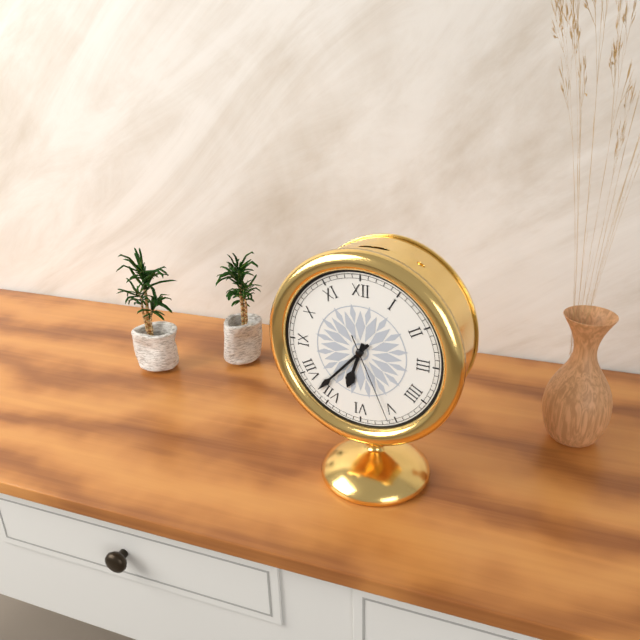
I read 6,37,26
